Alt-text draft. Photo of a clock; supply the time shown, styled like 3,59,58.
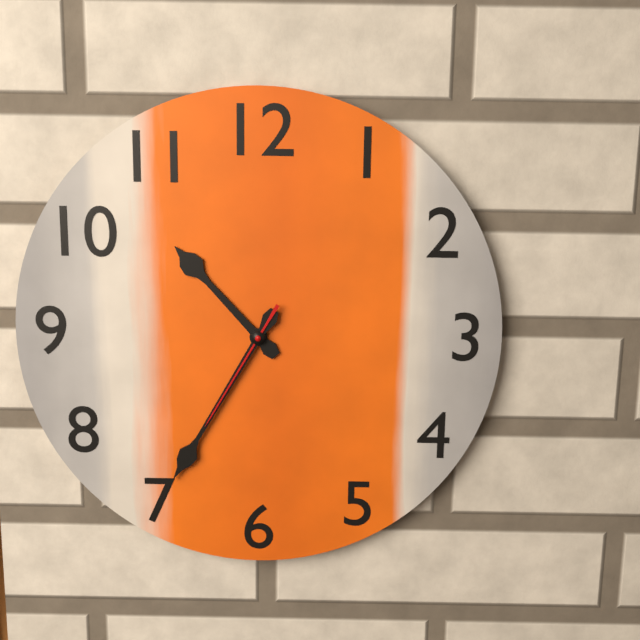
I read 10,35,35
